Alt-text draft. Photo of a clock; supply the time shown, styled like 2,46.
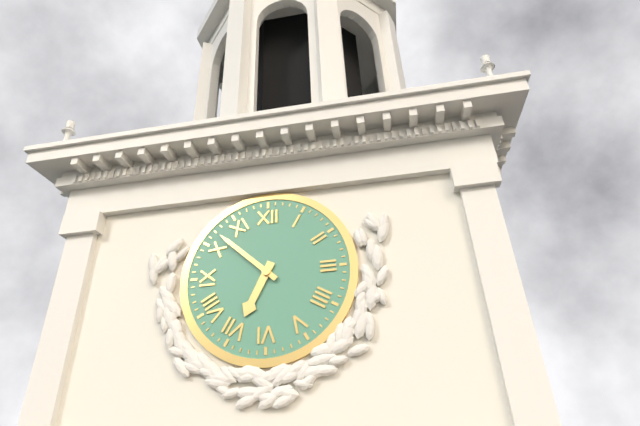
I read 6,52
